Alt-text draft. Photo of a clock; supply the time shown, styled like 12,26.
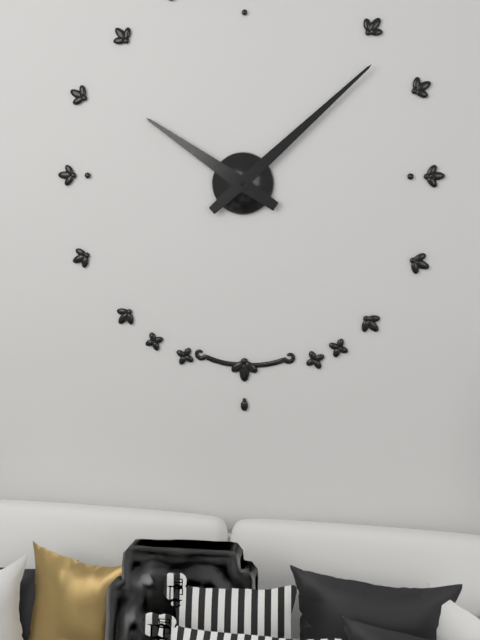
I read 10,08
